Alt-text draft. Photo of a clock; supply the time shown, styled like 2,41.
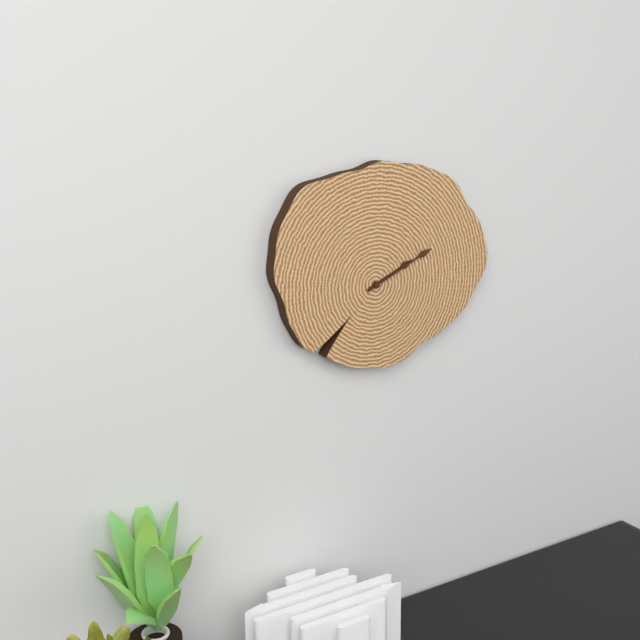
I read 2,11
